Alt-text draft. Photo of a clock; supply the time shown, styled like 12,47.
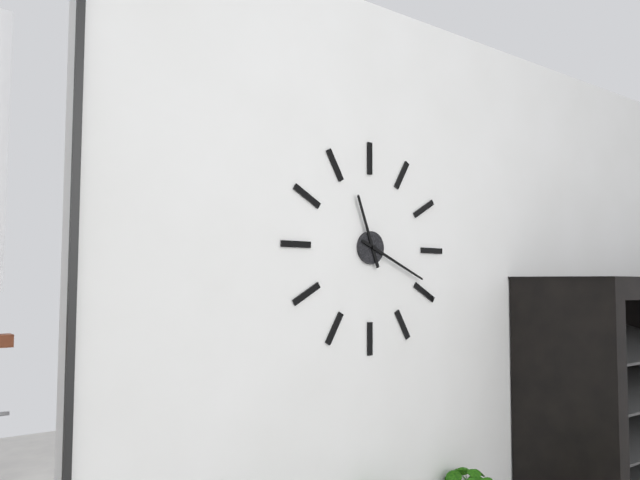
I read 11,19
